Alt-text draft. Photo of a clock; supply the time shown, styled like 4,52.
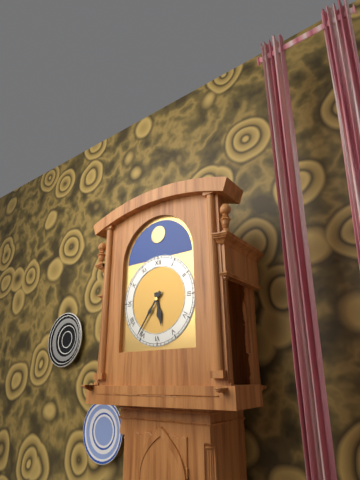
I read 5,36
